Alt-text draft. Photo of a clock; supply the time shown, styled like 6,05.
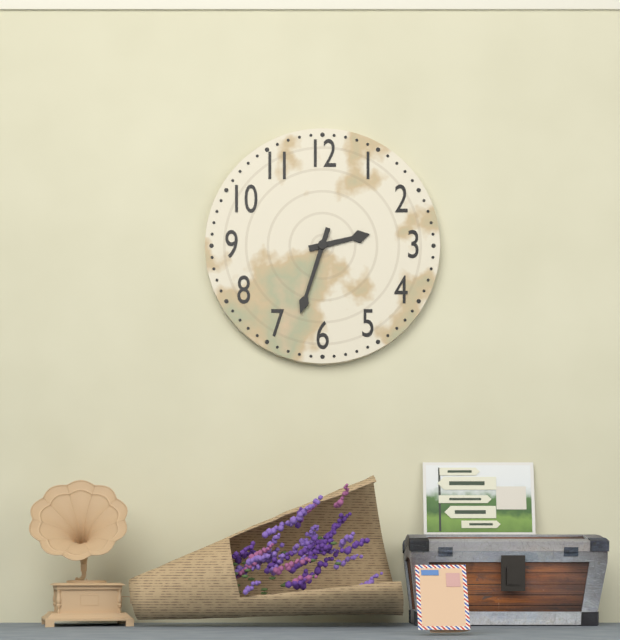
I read 2,33
